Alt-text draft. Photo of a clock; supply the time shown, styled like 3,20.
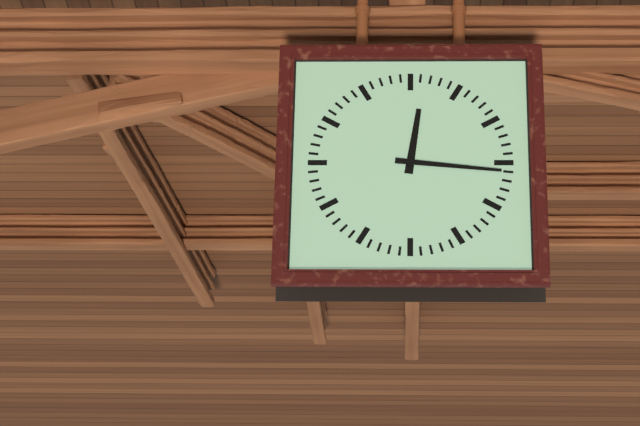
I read 12,16
